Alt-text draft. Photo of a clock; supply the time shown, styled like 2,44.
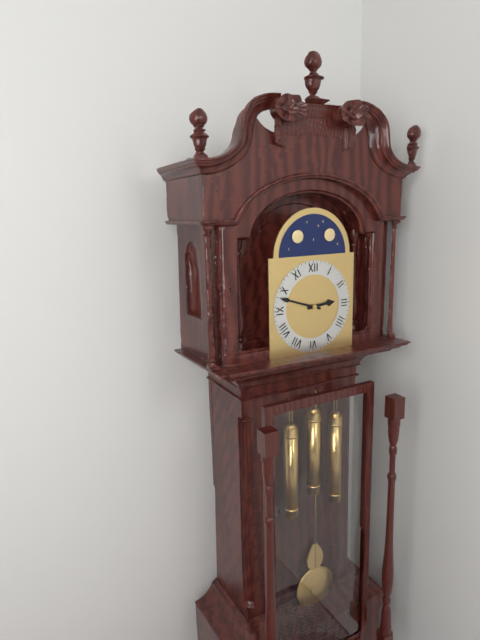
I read 2,48
